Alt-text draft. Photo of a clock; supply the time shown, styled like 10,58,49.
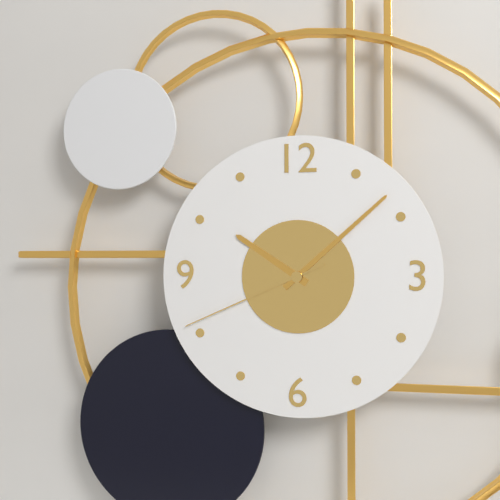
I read 10,08,41
